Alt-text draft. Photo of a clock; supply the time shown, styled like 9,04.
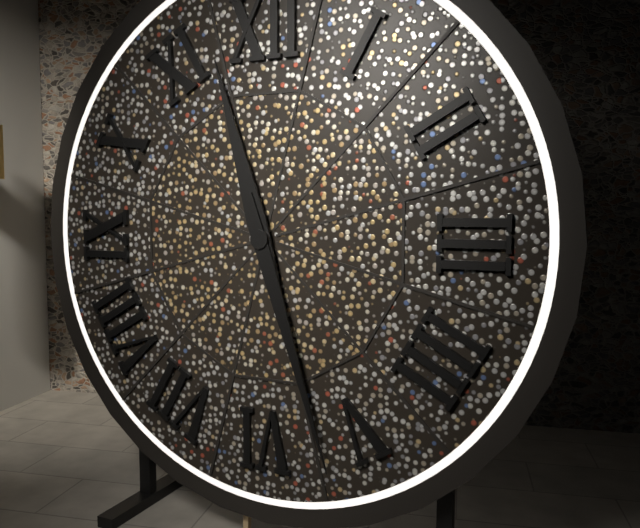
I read 11,27
